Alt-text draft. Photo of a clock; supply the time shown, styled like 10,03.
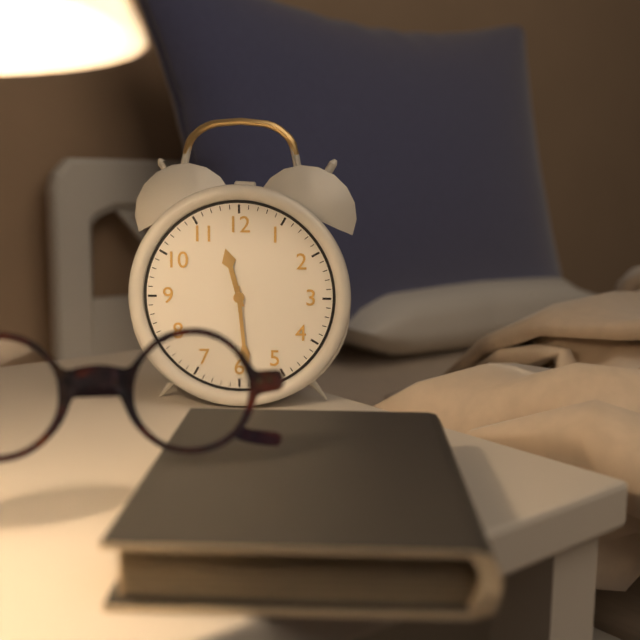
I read 11,29
